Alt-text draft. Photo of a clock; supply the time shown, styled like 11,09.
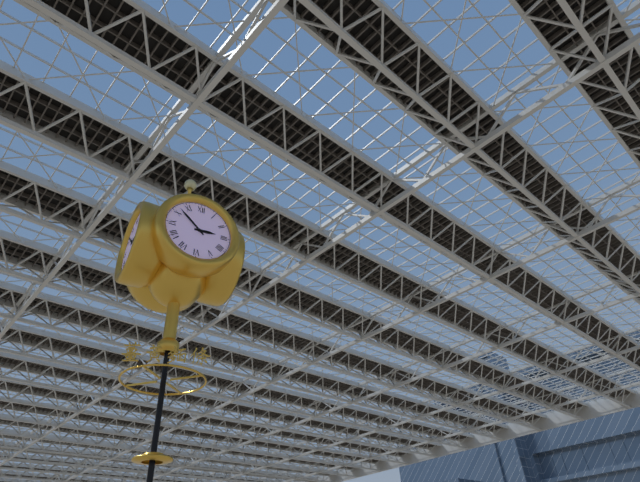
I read 2,52
